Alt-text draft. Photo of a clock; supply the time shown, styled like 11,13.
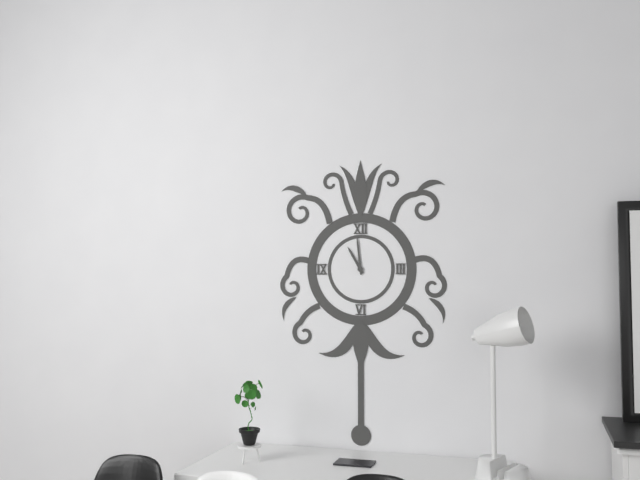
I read 10,59
